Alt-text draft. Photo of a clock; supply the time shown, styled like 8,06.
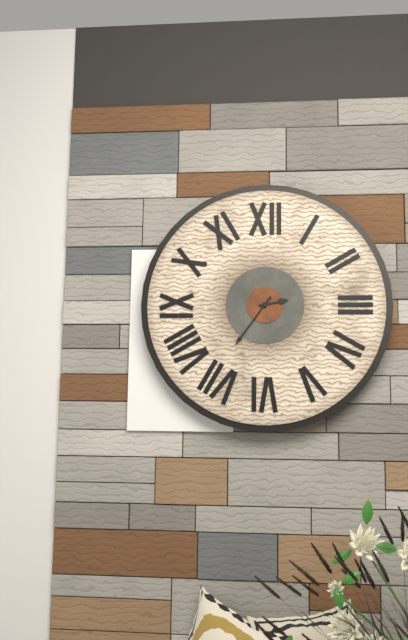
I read 2,36
